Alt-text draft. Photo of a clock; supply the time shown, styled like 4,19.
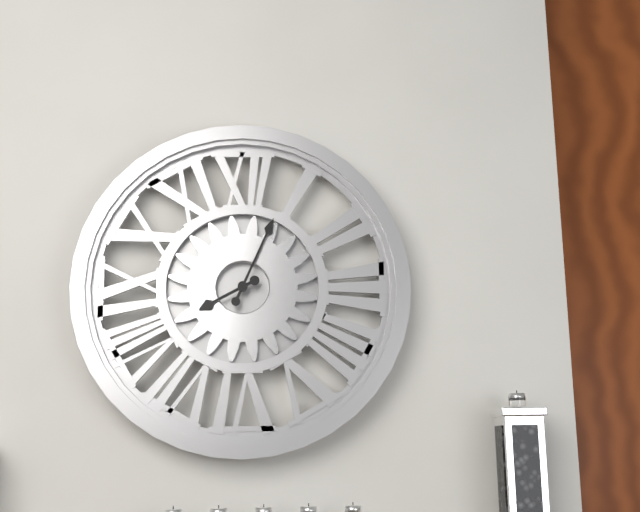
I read 8,04
